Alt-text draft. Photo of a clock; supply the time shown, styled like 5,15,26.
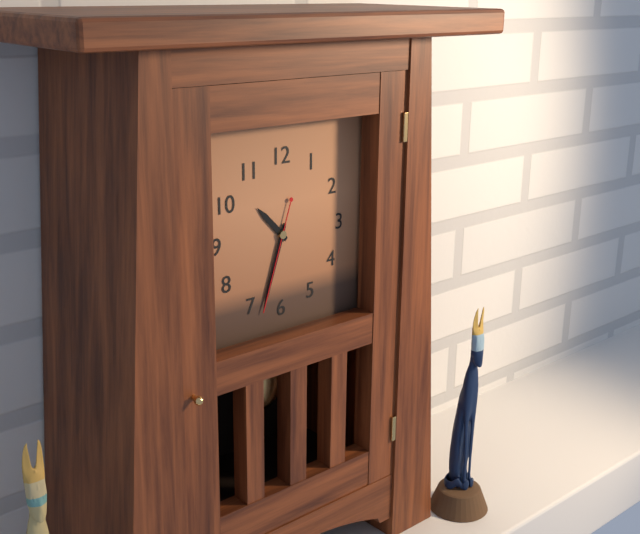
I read 10,33,33
